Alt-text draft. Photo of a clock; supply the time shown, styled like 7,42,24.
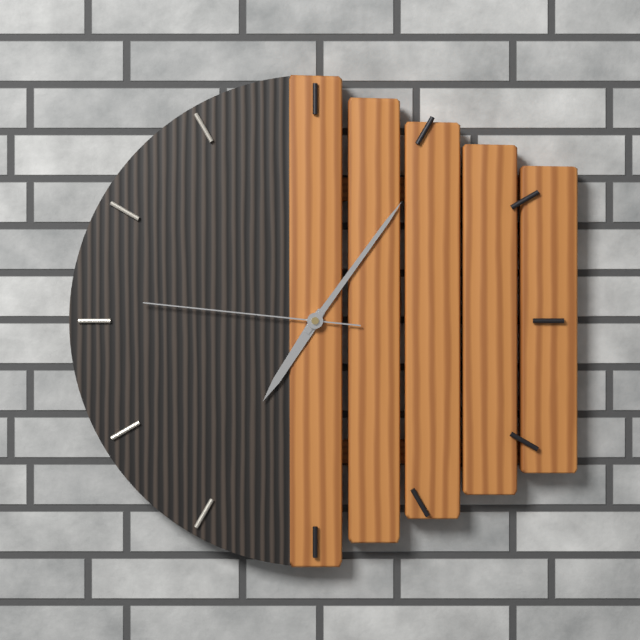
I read 7,06,46
